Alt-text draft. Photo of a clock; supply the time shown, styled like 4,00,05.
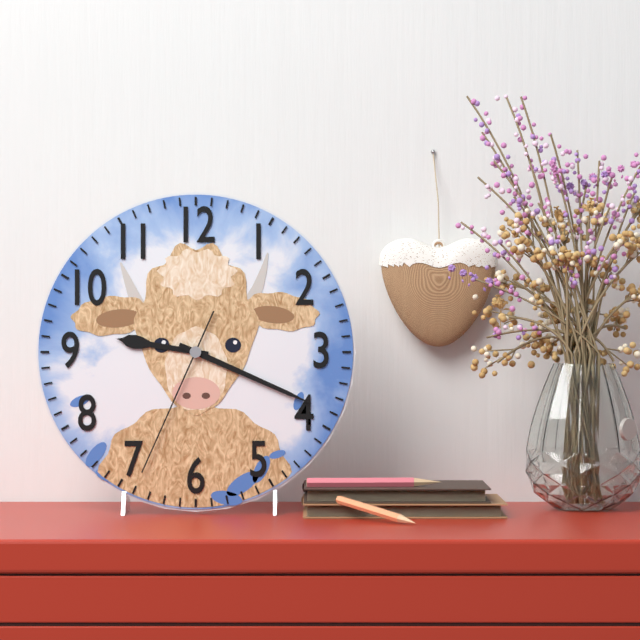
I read 9,19,34
